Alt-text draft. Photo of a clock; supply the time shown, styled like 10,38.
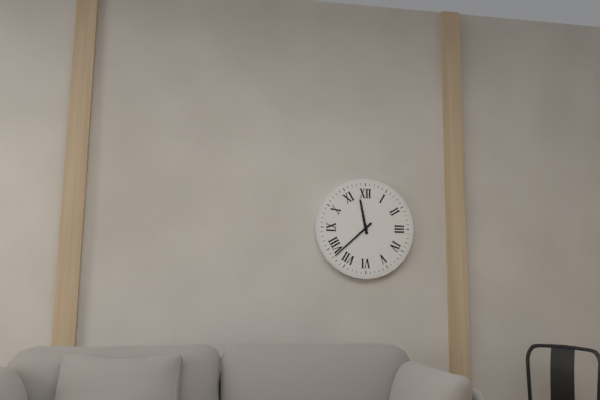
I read 11,38
